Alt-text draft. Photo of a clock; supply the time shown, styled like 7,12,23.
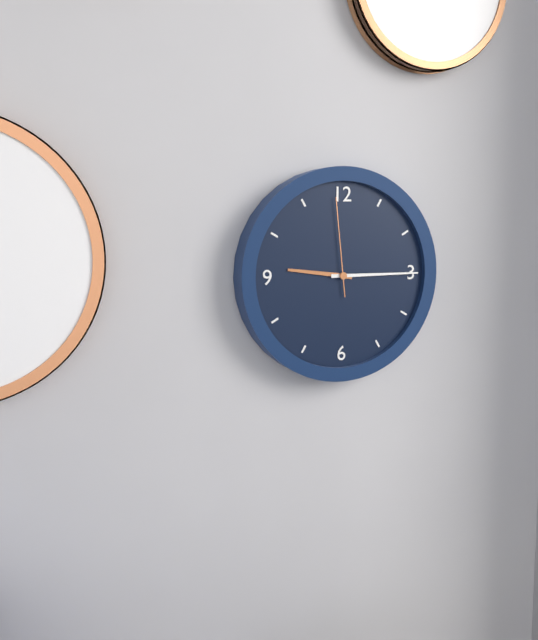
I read 9,15,59
